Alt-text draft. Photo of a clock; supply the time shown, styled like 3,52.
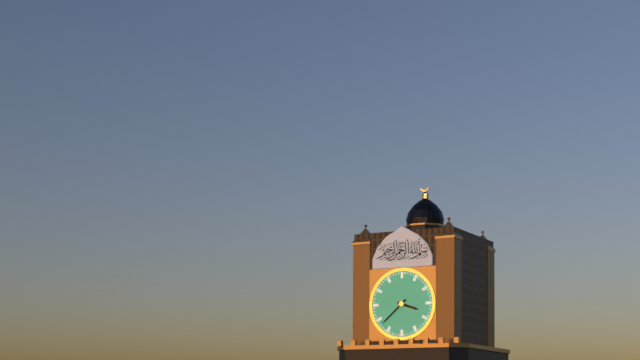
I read 3,38
